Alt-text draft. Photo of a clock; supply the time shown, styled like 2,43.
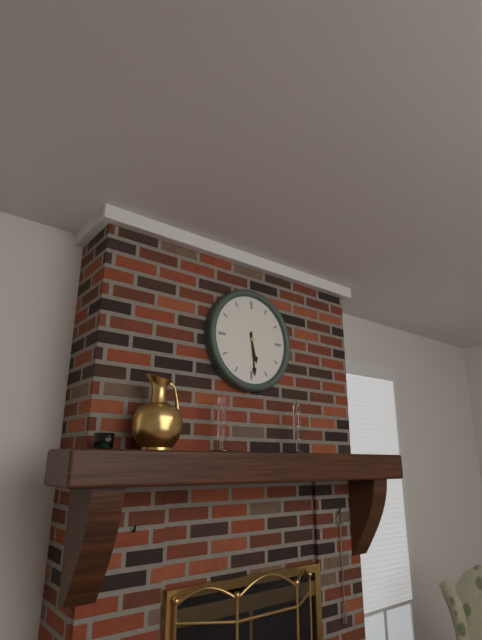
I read 5,29
